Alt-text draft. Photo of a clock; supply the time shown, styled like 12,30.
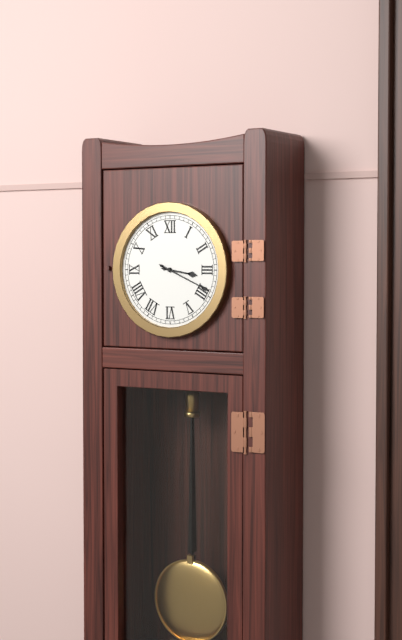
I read 3,19
